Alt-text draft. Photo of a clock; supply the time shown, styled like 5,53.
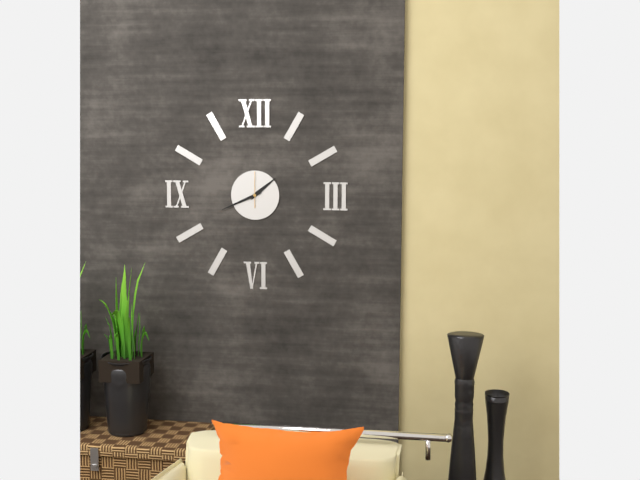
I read 1,41
